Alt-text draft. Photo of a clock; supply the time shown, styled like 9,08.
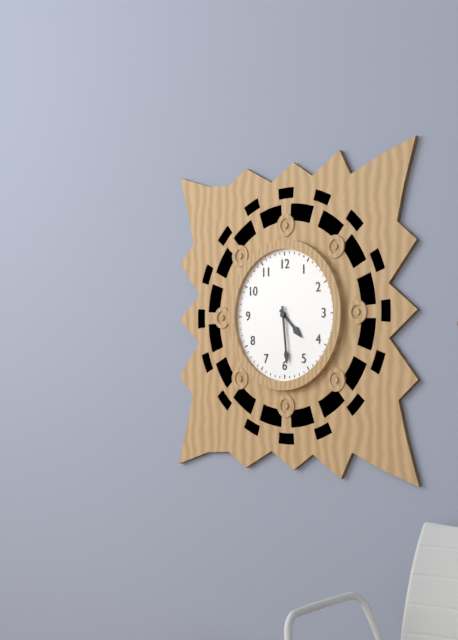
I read 4,29
